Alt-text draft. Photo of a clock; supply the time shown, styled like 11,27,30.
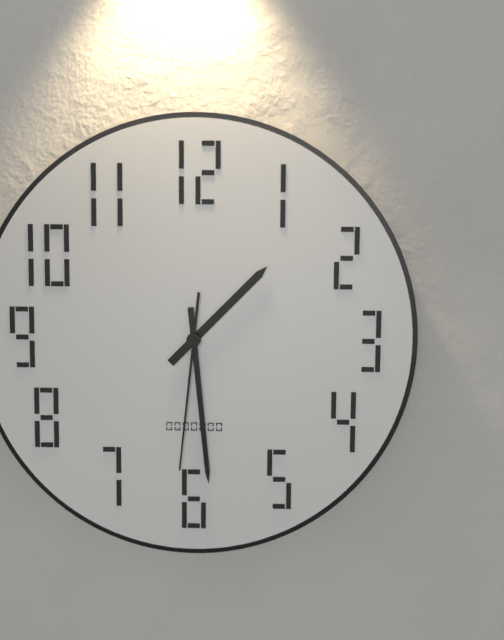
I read 1,29,31
